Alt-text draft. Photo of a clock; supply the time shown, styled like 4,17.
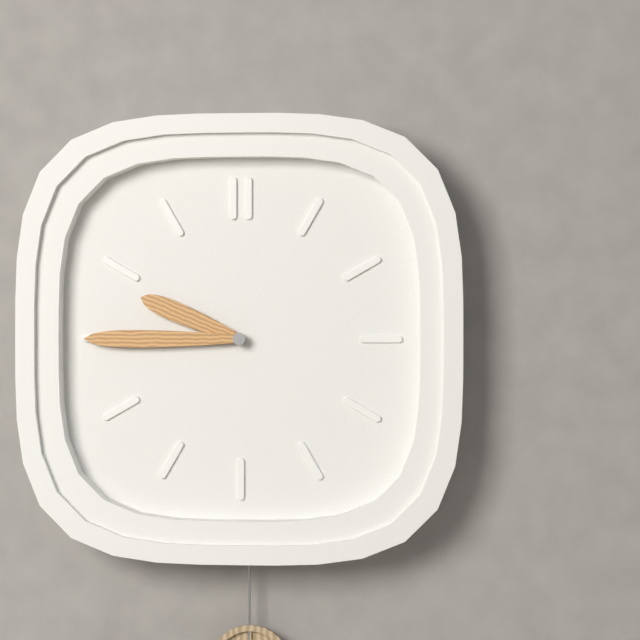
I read 9,45
